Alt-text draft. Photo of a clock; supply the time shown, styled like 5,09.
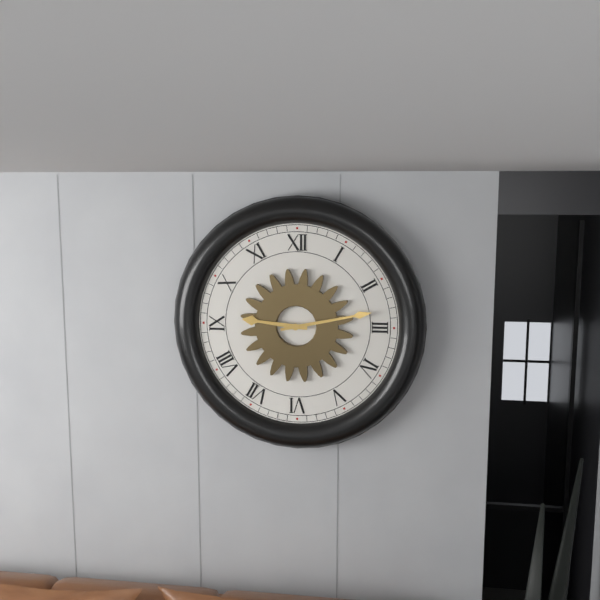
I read 9,13
